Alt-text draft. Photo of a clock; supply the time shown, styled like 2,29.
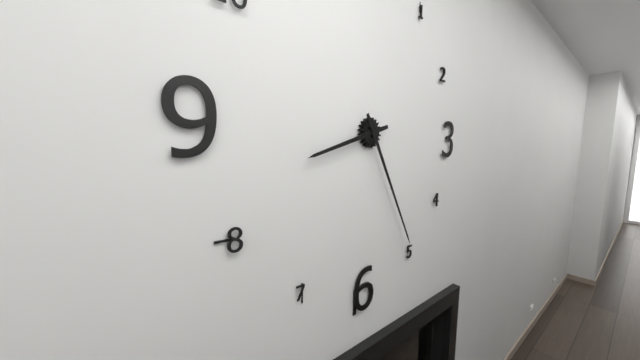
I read 8,25
